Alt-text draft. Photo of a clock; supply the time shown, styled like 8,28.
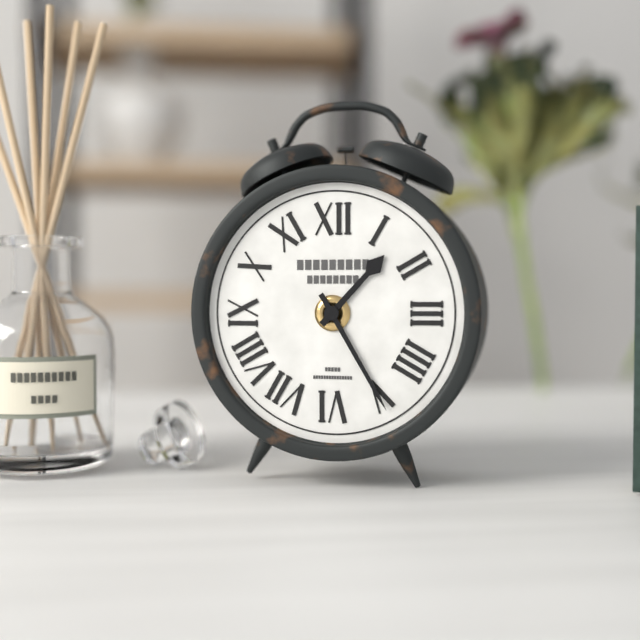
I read 1,25
